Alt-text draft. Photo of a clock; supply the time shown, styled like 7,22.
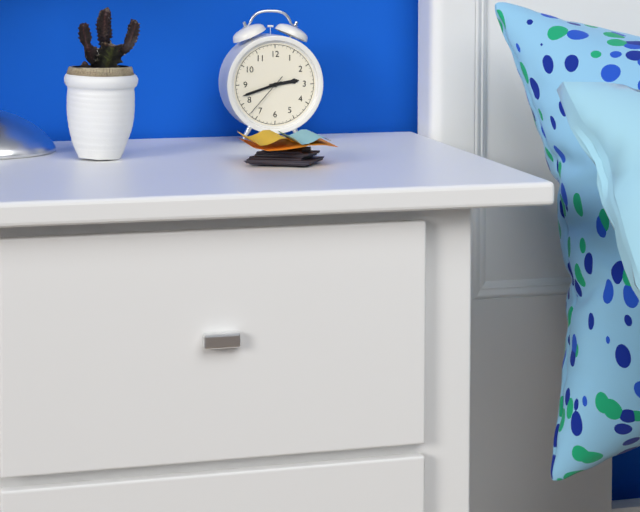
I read 2,42
